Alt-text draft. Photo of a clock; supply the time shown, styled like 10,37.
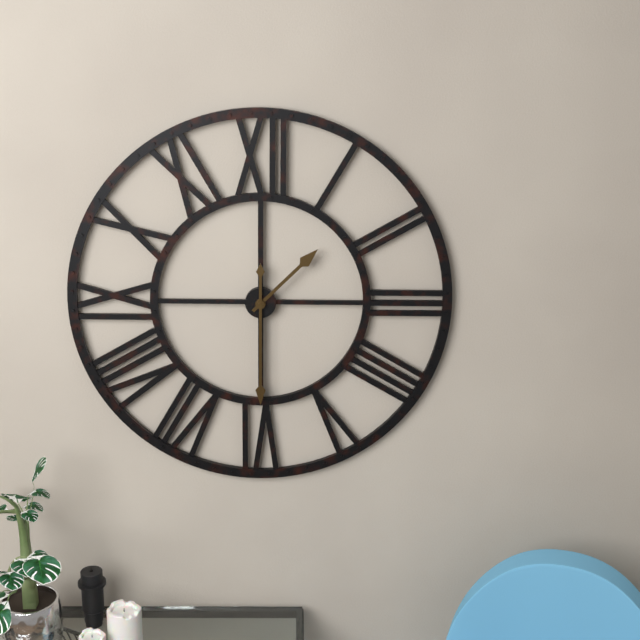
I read 1,30
